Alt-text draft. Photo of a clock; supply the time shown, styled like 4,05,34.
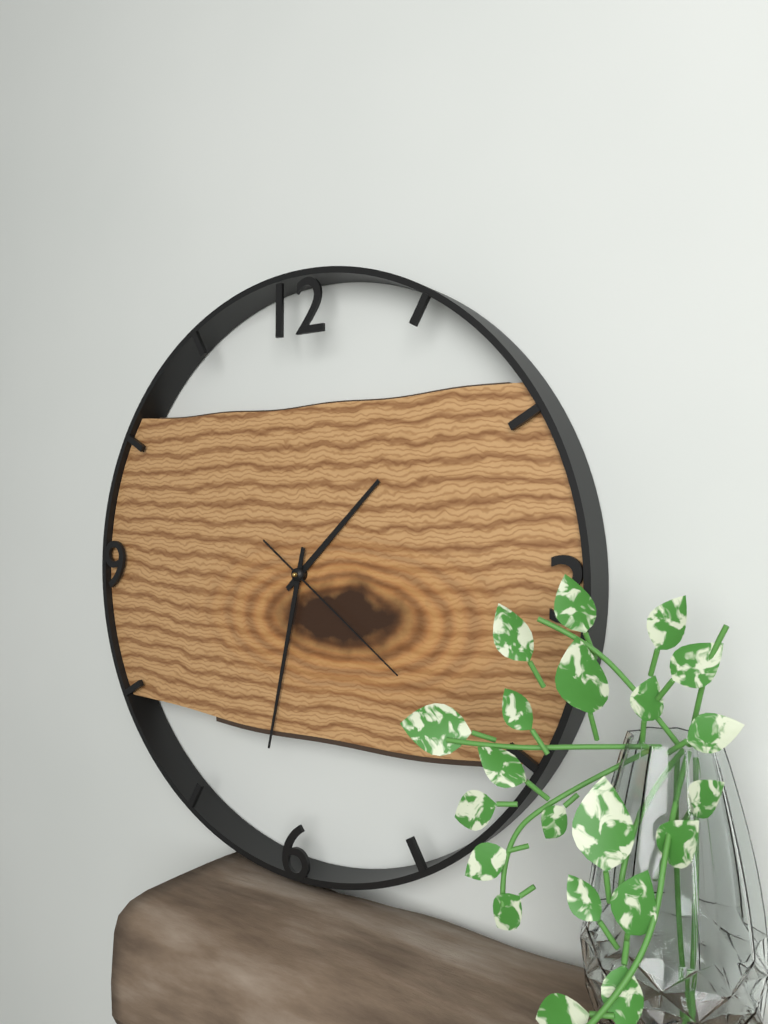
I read 1,32,21
